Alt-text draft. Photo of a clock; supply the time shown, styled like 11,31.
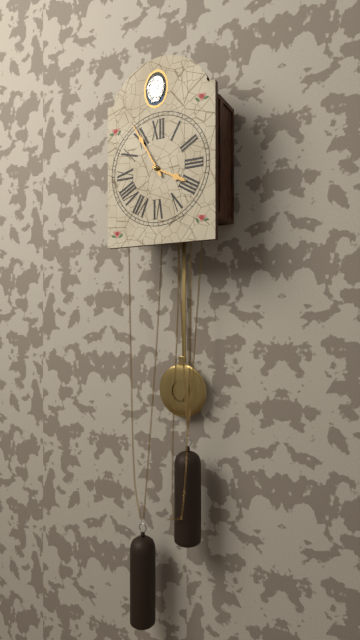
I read 3,55
